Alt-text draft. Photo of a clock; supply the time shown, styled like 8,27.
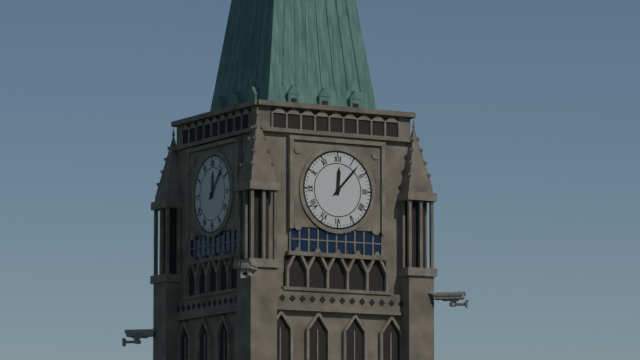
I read 12,07
